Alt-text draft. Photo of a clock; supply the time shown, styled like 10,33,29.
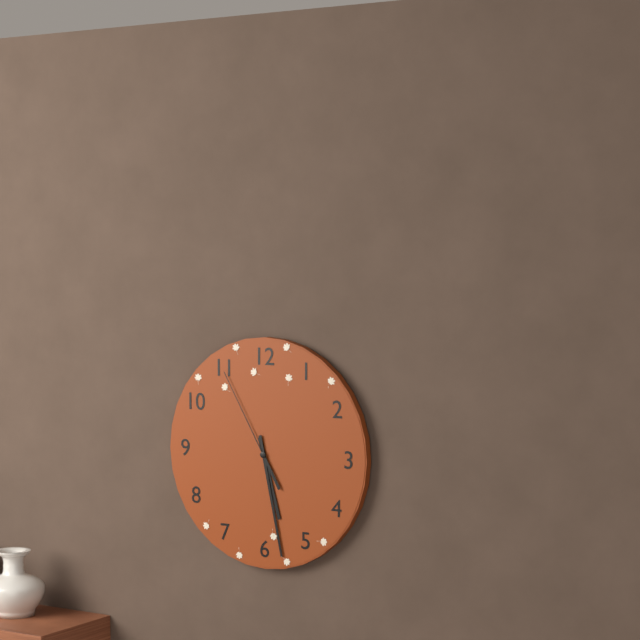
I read 5,28,55
